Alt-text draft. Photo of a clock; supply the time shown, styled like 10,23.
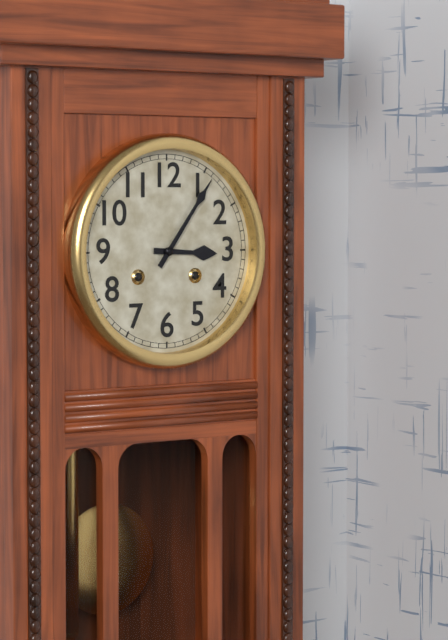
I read 3,06
